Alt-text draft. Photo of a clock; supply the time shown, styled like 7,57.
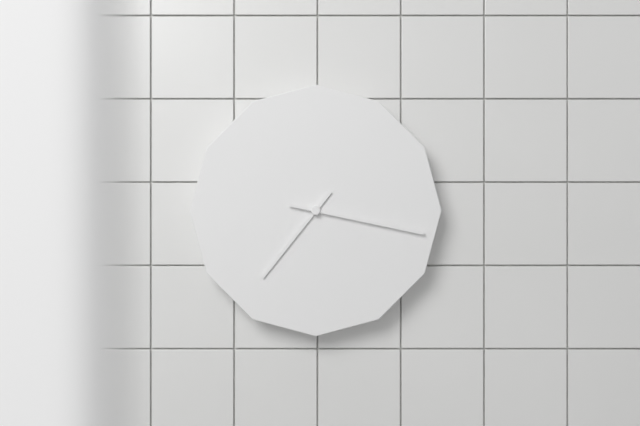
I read 7,17
